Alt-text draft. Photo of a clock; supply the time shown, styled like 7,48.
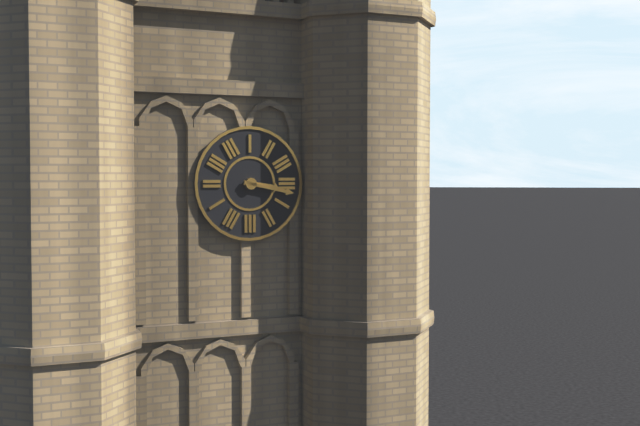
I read 3,17
